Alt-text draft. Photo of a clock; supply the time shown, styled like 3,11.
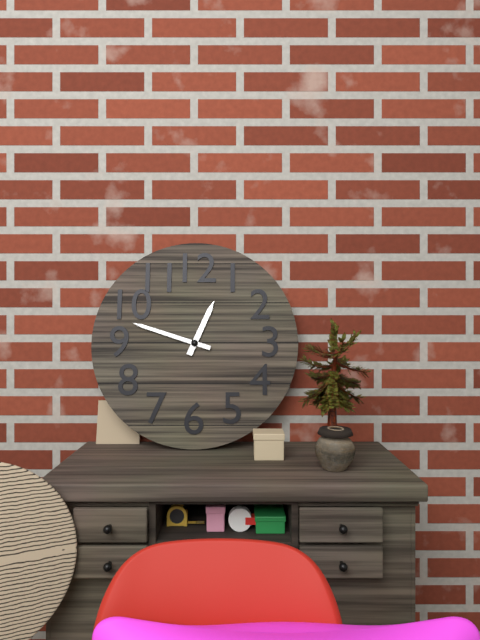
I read 12,48
